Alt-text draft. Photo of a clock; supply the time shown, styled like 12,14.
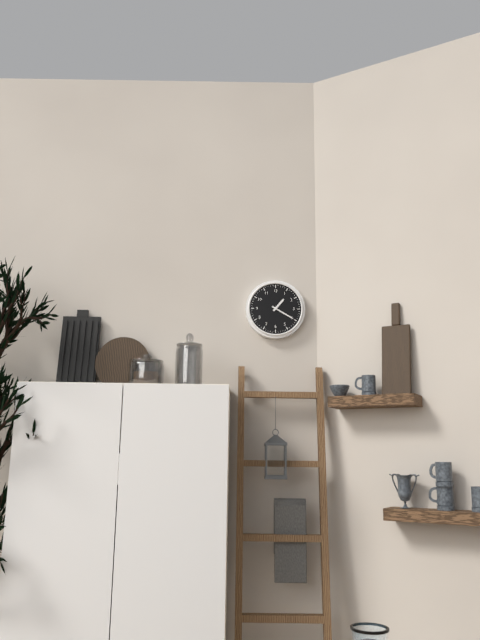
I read 1,20
